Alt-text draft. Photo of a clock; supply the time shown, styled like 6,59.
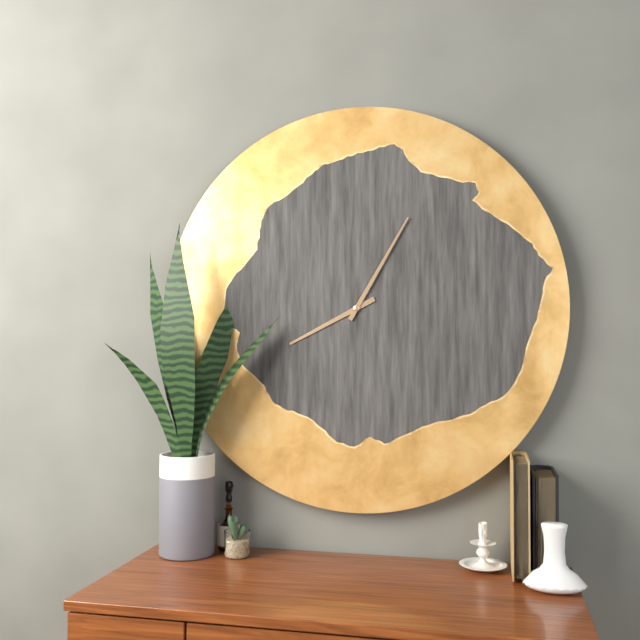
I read 8,05
